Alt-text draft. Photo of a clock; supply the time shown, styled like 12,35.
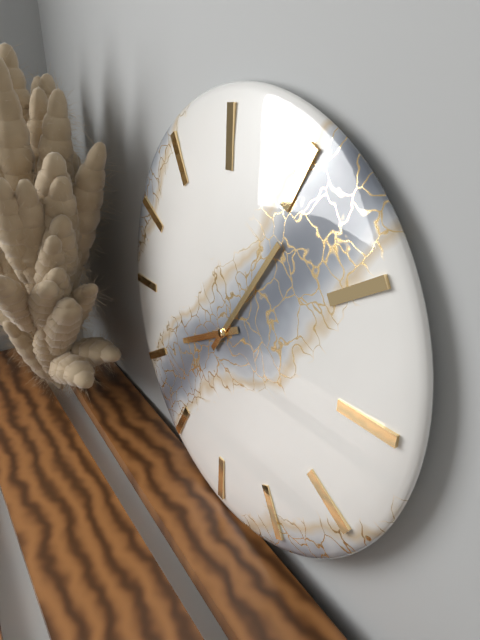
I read 8,06
